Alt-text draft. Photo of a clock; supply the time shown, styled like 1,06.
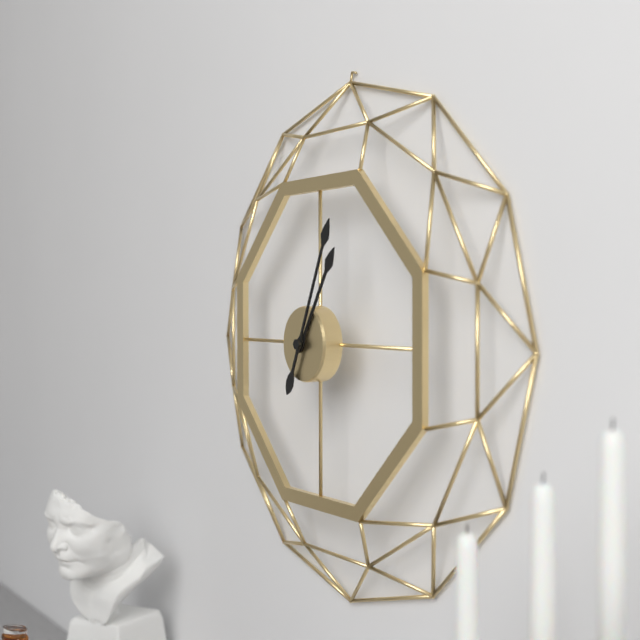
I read 1,04
